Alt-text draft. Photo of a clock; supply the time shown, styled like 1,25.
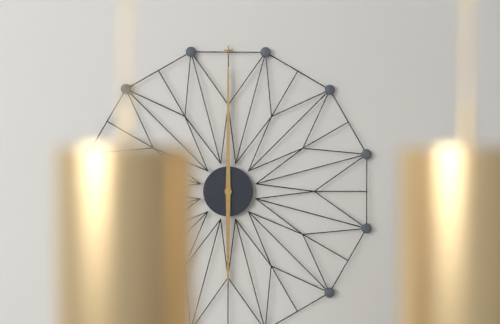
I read 6,00
